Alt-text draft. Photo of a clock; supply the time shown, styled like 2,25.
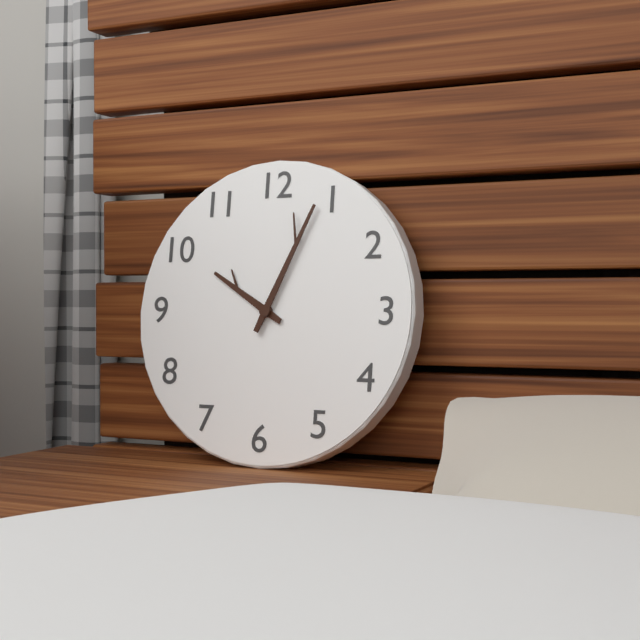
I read 10,04
